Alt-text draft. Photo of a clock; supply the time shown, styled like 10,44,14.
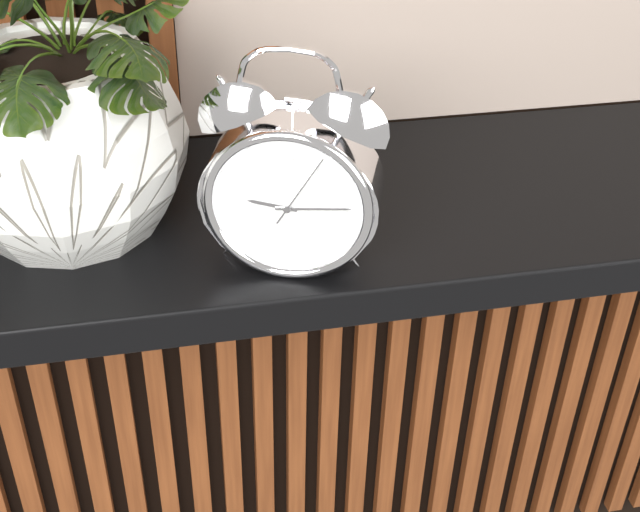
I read 9,14,05
